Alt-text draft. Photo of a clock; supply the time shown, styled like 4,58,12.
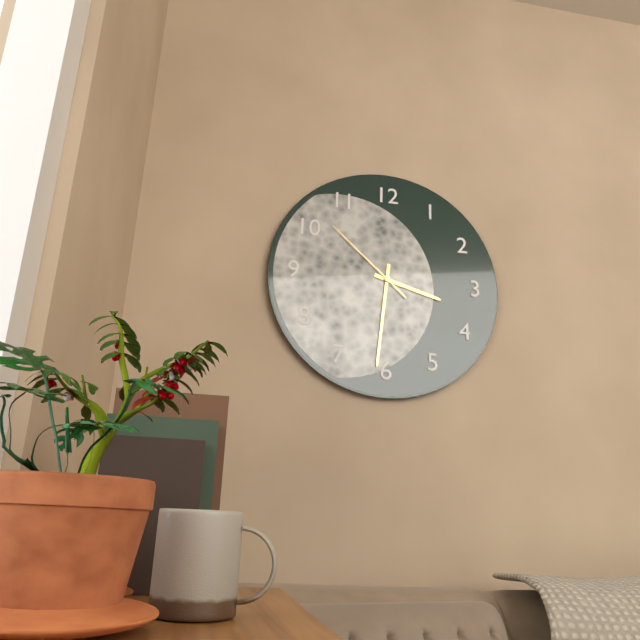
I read 3,31,52
